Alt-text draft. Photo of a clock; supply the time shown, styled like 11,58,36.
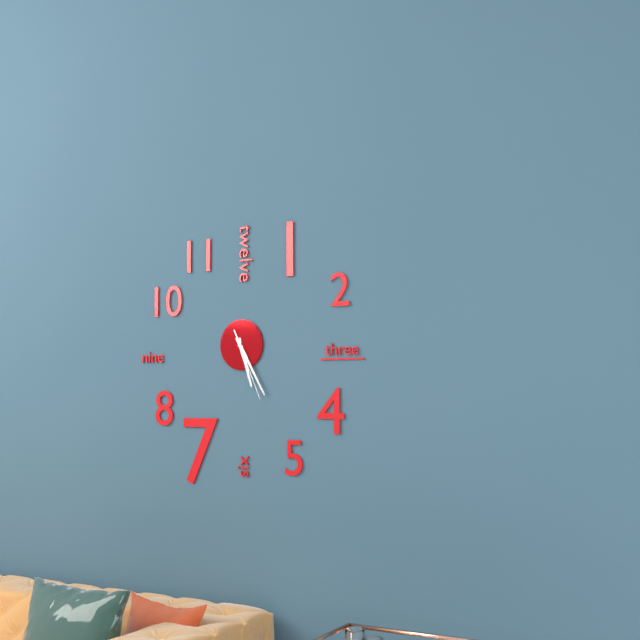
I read 5,25,26
